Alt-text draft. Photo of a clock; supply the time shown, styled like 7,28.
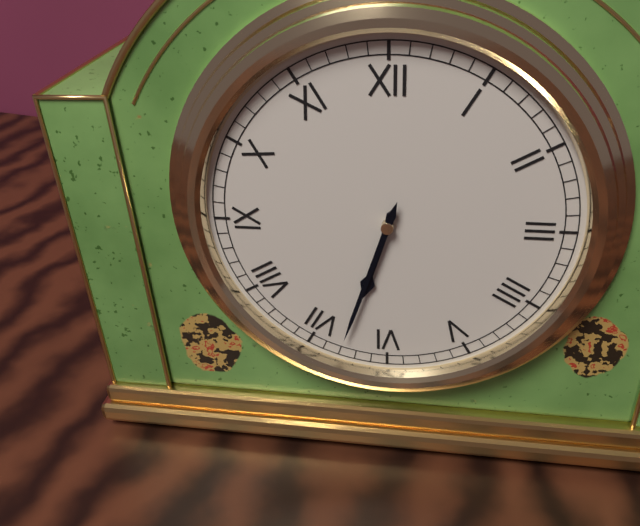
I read 6,33
